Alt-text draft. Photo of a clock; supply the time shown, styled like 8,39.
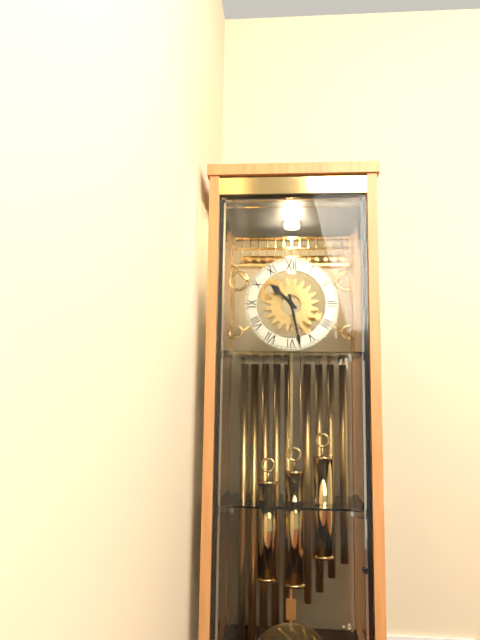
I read 10,28
